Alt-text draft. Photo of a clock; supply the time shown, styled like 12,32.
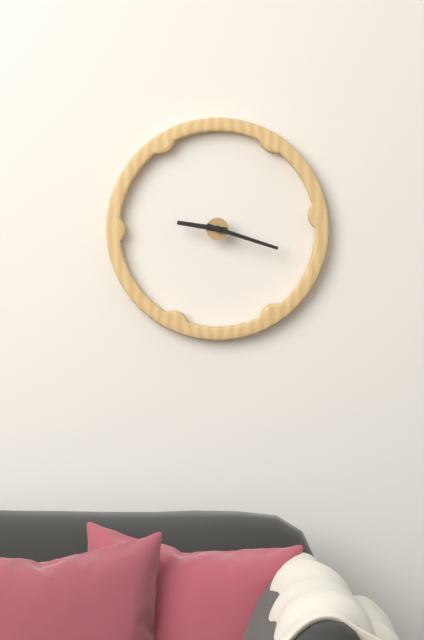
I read 9,18
